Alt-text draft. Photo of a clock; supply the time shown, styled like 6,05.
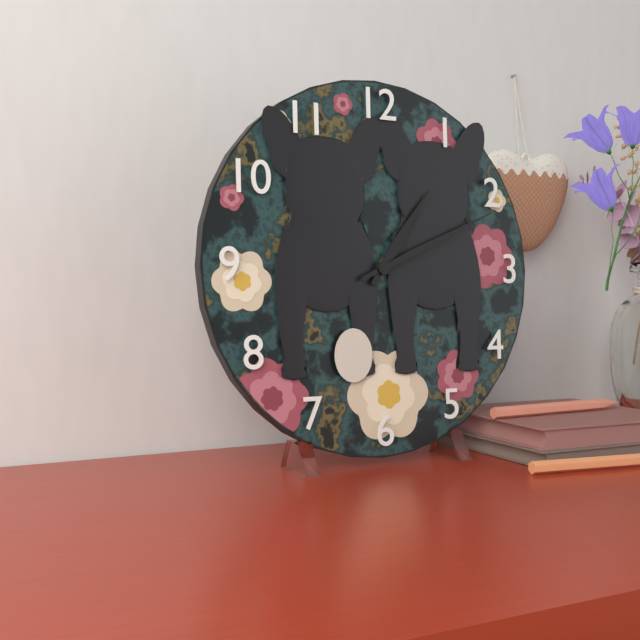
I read 1,11
